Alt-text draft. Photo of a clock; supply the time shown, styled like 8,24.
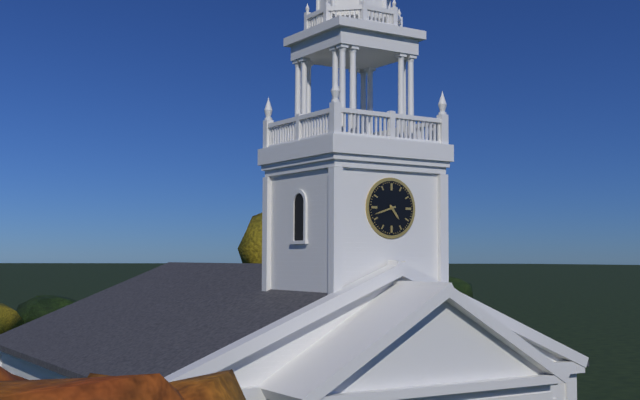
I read 4,42
